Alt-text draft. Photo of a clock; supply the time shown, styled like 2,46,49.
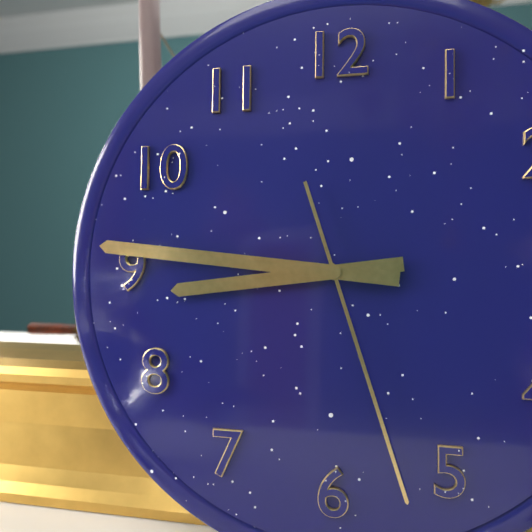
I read 8,46,27
